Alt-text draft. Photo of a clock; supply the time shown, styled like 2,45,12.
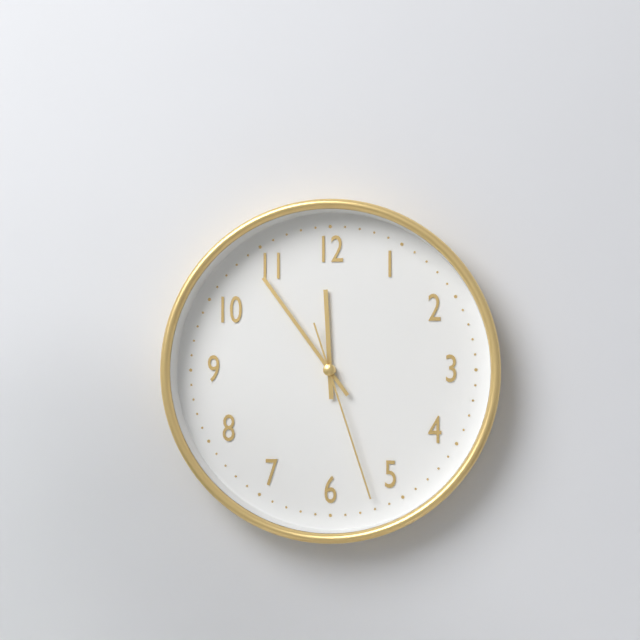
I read 11,54,27
